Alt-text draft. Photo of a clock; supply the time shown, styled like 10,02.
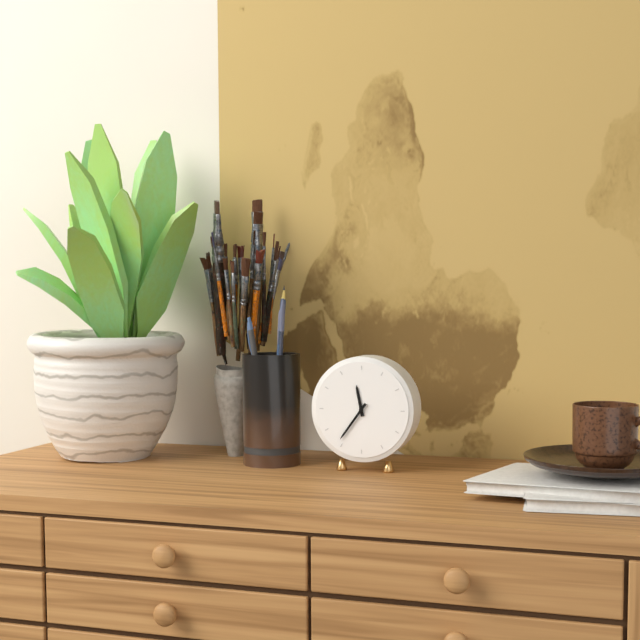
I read 11,36
